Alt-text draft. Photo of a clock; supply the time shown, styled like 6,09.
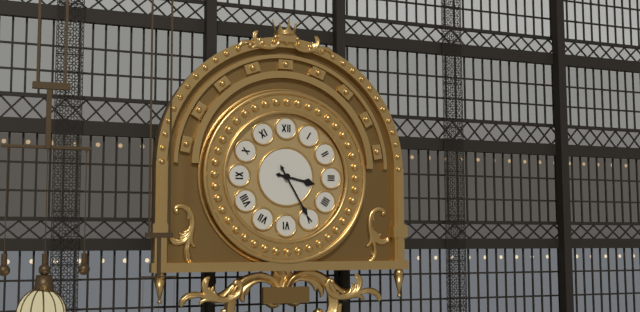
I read 3,25
